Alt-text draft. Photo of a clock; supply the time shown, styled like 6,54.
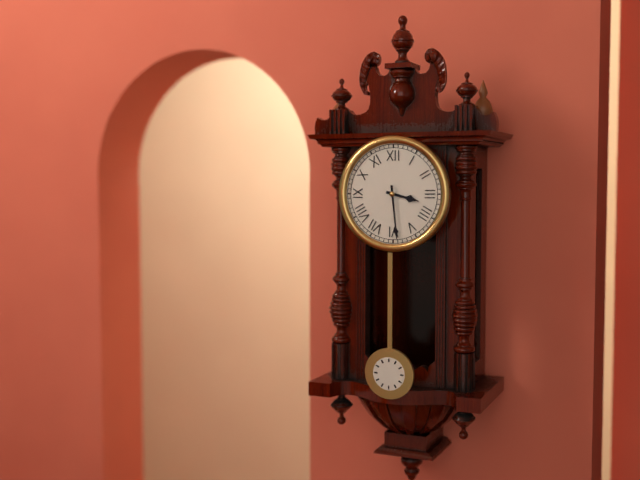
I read 3,29
